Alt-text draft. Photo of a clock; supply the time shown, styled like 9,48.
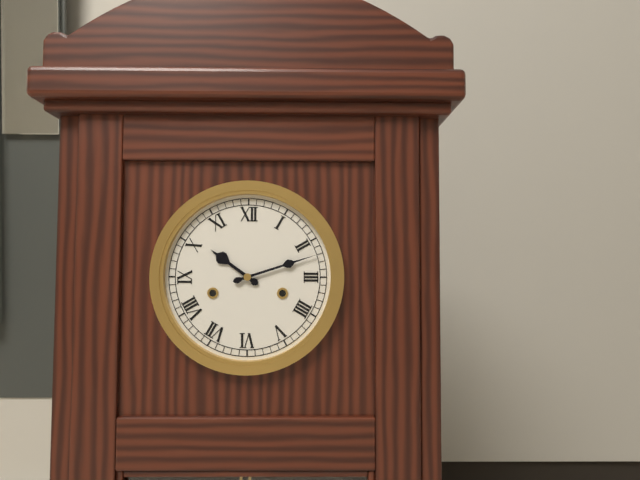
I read 10,12
